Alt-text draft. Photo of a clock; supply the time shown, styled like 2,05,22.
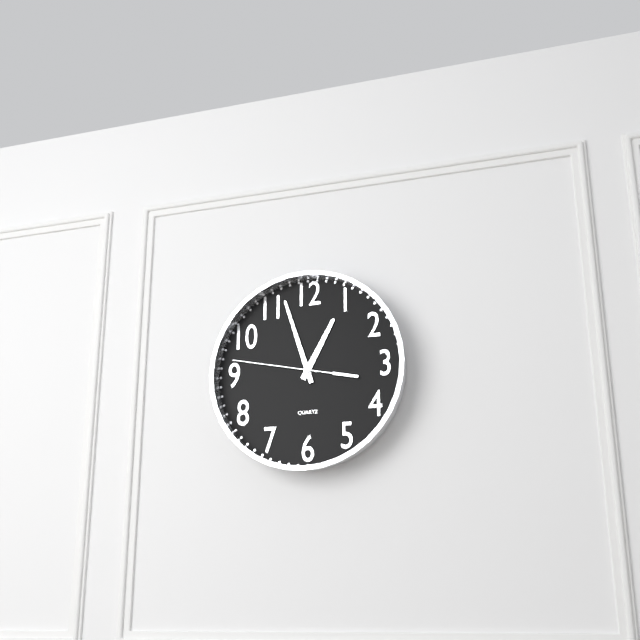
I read 12,57,47
